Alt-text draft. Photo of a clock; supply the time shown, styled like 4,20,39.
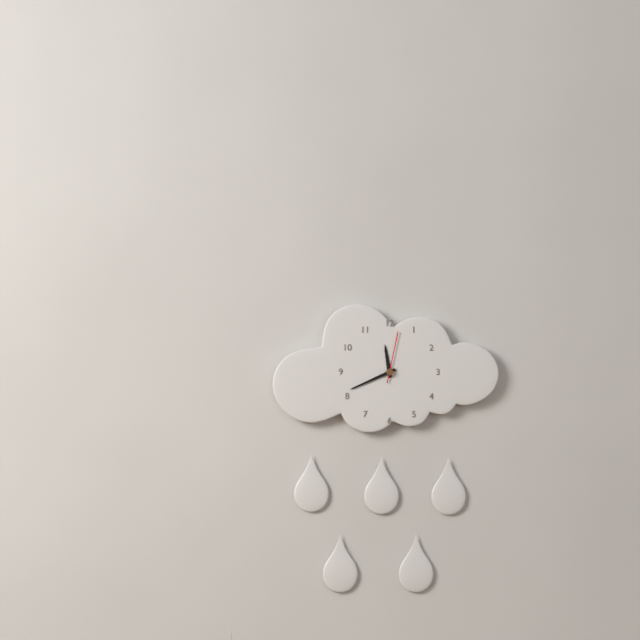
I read 11,41,02
